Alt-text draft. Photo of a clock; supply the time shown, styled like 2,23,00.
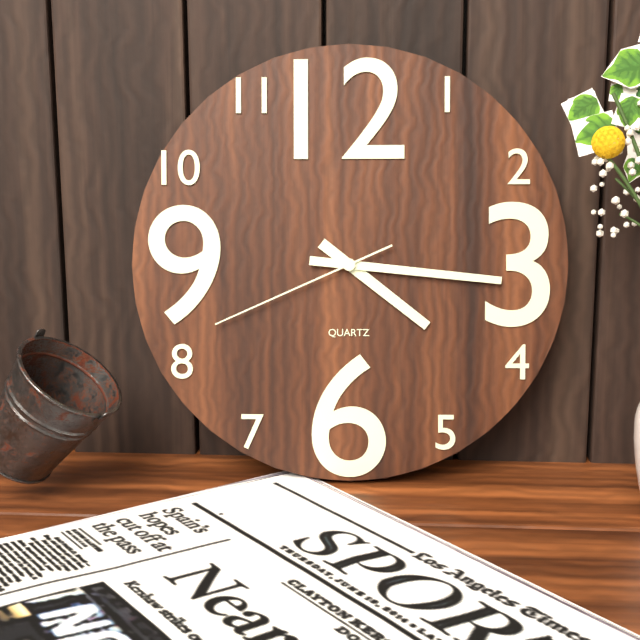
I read 4,16,41
